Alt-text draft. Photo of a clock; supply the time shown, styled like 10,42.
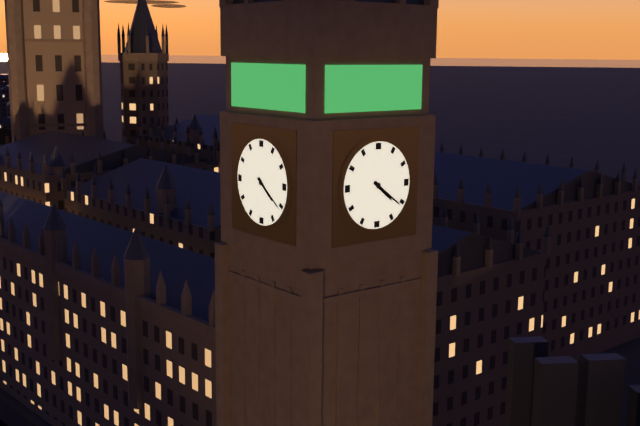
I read 4,21
